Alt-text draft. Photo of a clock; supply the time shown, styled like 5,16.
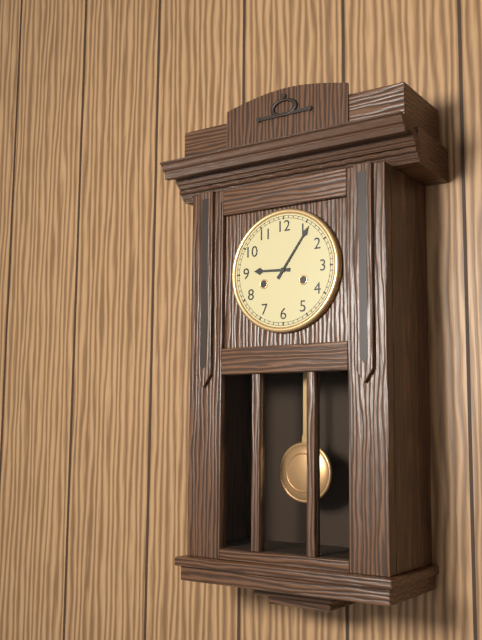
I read 9,06
